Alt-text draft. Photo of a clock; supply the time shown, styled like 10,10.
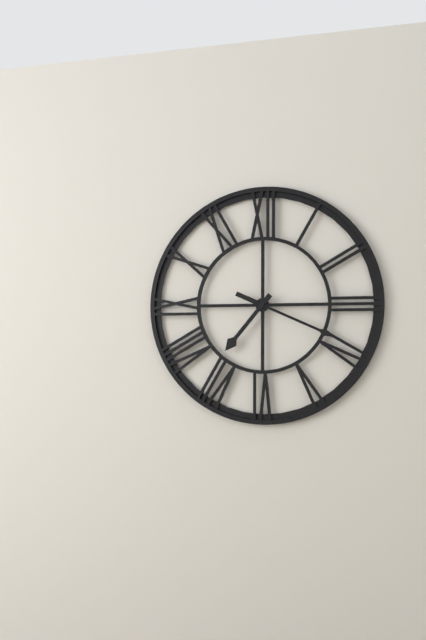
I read 7,19
